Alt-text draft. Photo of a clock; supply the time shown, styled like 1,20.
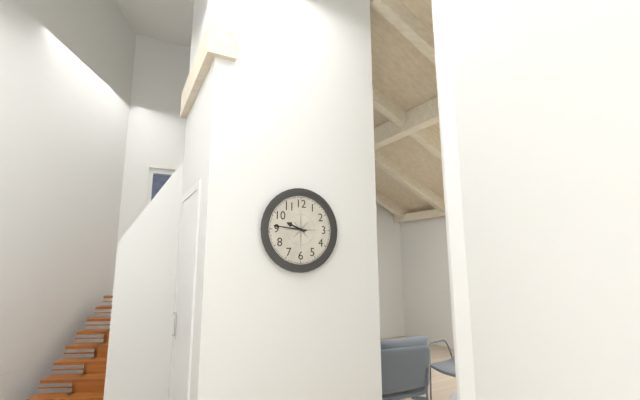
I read 9,46
